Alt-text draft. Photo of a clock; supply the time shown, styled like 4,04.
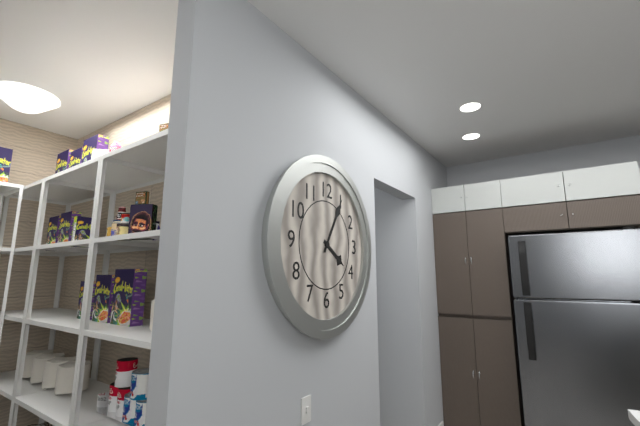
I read 4,05
